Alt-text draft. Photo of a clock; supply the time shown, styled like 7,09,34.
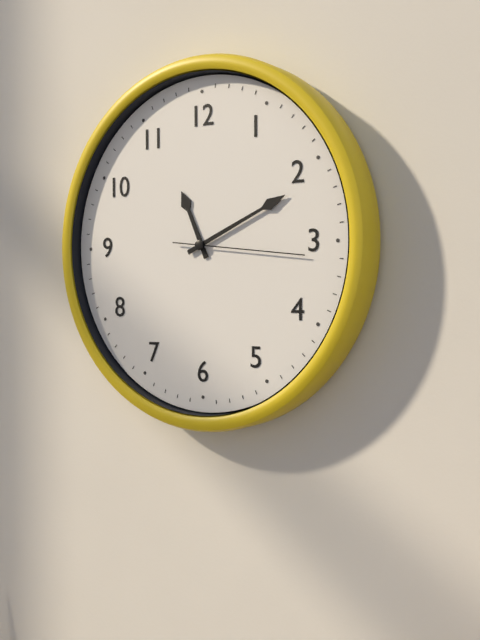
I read 11,11,16
